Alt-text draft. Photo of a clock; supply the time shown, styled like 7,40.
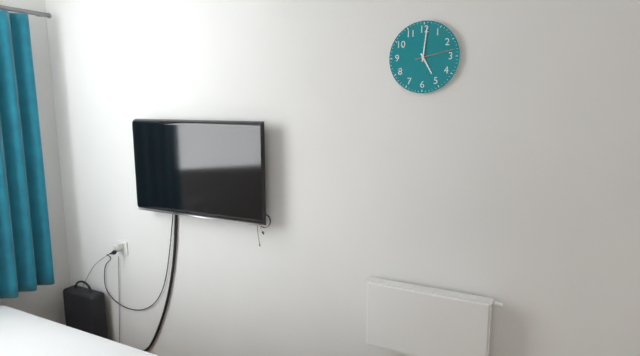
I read 5,01
